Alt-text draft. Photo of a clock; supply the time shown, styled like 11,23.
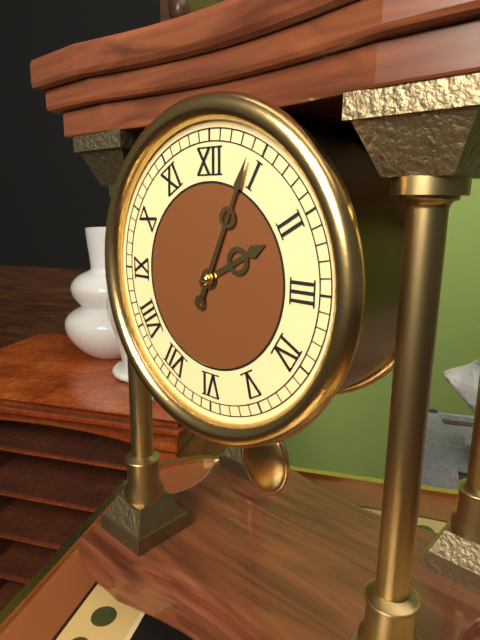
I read 2,04
